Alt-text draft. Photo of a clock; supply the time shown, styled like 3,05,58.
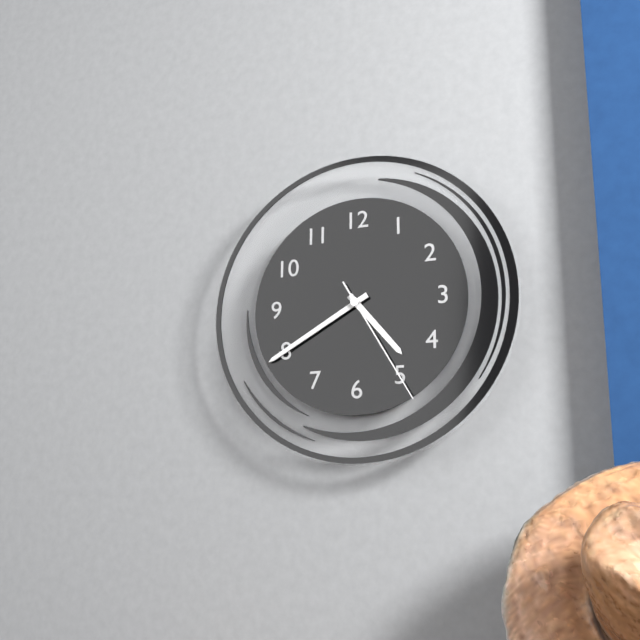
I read 4,40,25
